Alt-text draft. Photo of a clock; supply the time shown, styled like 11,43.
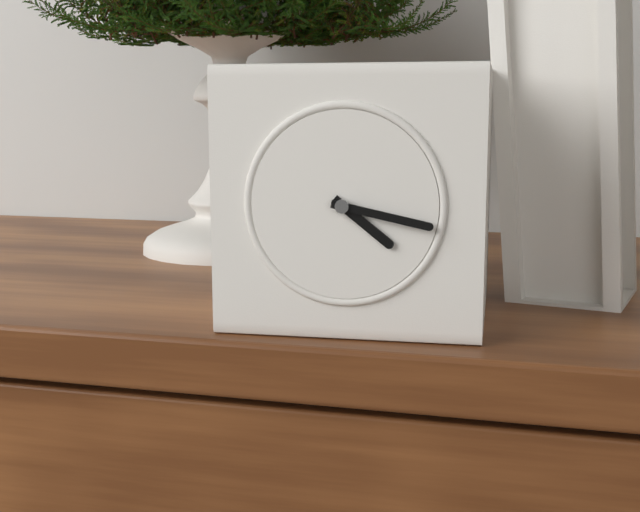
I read 4,17
